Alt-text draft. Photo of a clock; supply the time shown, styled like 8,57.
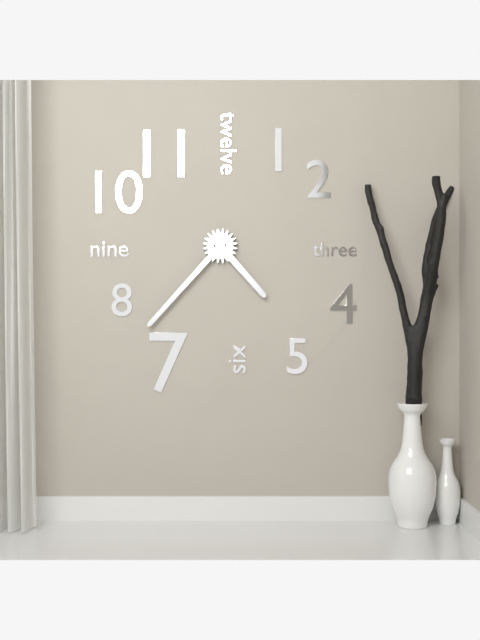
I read 4,37
